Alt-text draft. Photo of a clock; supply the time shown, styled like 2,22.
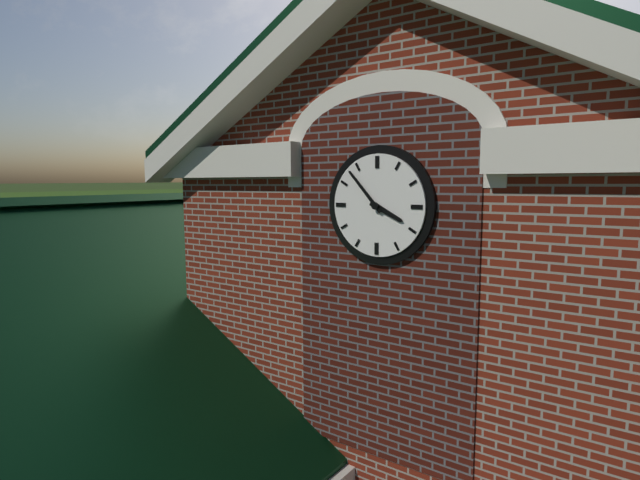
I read 3,53
